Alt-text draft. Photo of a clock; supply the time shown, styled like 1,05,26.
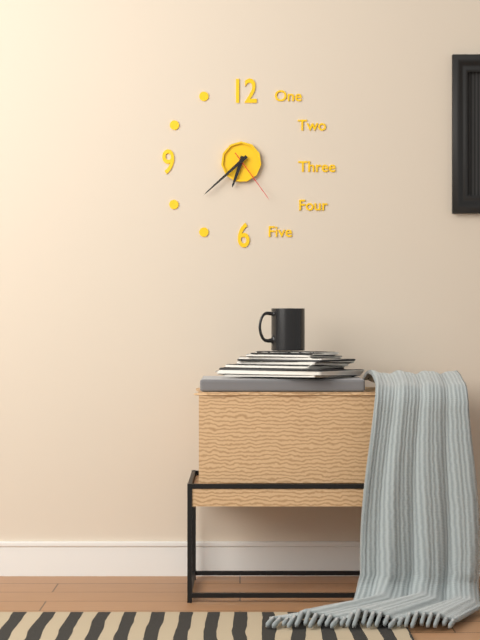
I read 6,38,24
